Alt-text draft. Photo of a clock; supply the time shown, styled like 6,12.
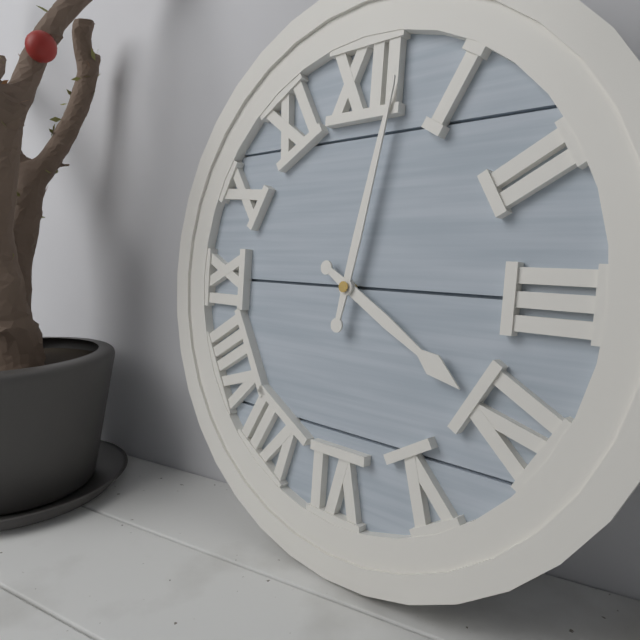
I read 4,02
